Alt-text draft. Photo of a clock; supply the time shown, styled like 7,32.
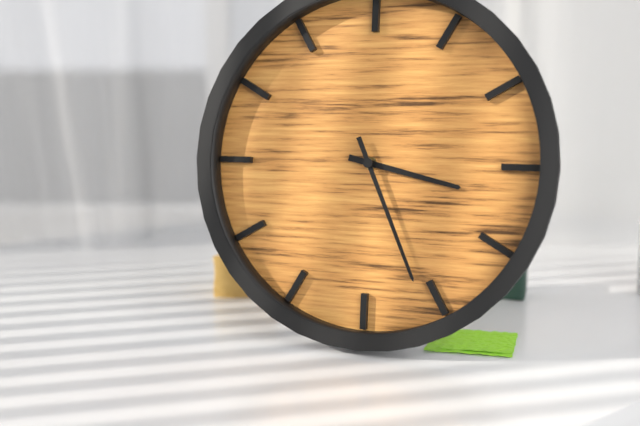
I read 3,26
